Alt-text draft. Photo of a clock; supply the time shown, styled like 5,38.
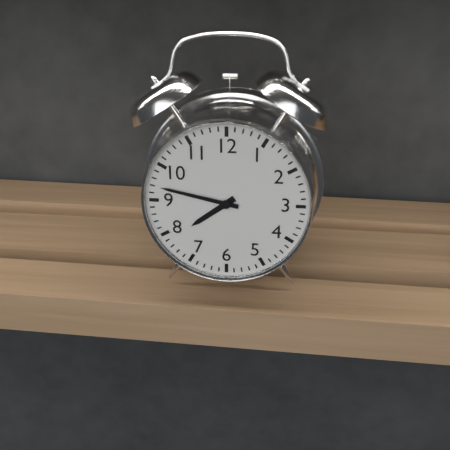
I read 7,47
